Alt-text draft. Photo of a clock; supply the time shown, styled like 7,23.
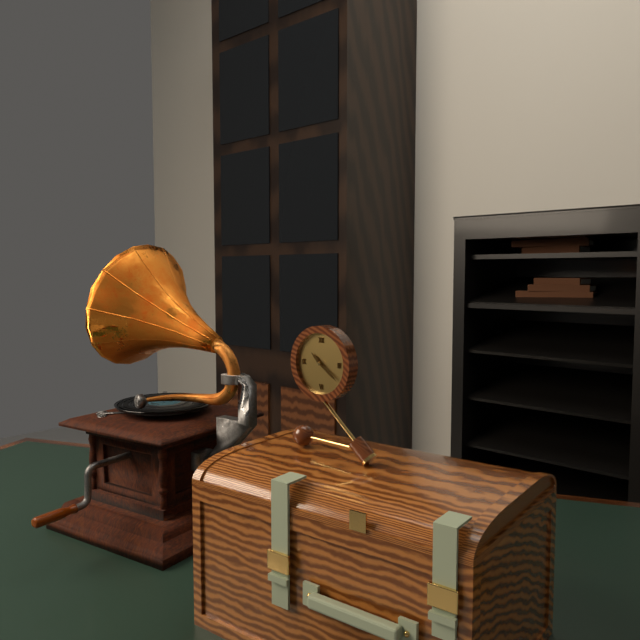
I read 10,21
